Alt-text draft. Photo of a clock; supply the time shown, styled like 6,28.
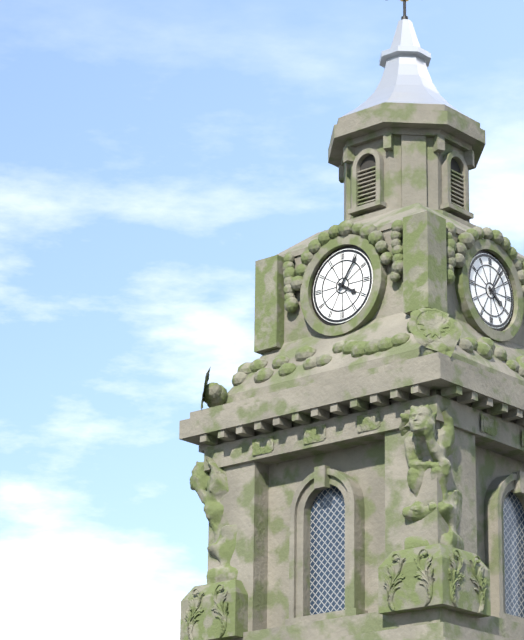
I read 4,06
